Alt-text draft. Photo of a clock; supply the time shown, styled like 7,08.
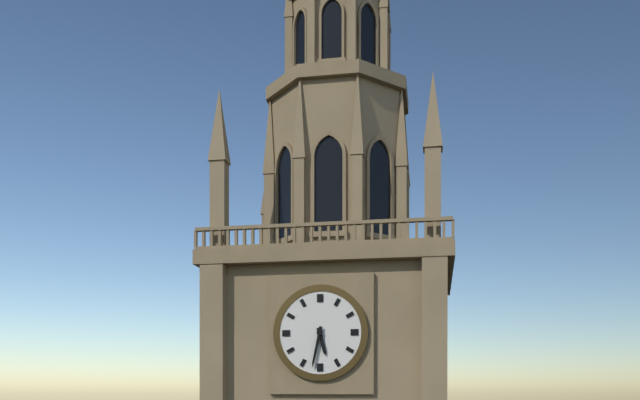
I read 5,32
